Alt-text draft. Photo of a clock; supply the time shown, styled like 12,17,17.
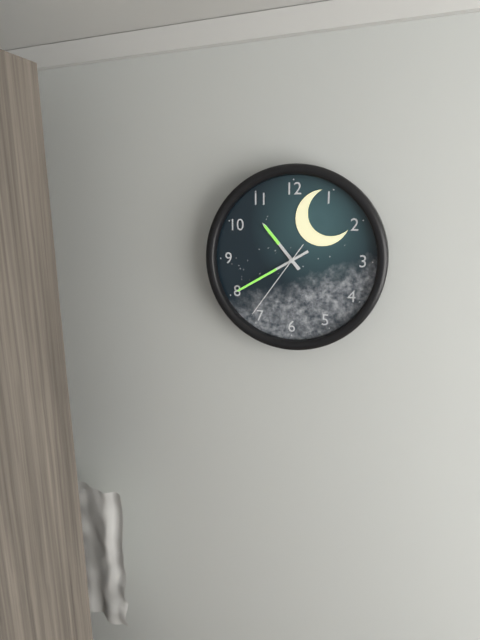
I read 10,40,36
